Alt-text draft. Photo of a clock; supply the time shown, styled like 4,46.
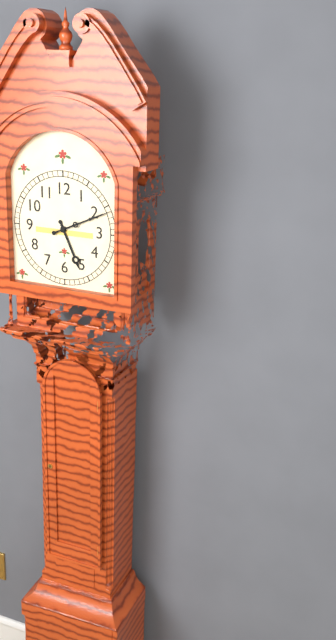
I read 5,11
